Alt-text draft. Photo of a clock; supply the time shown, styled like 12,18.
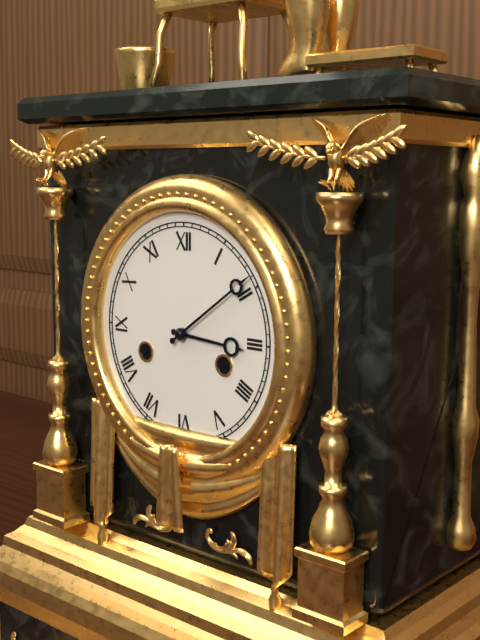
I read 3,09
